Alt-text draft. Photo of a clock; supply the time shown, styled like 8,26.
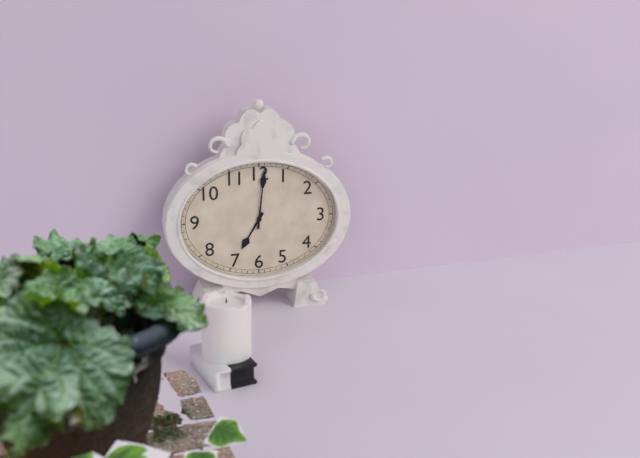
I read 7,01
